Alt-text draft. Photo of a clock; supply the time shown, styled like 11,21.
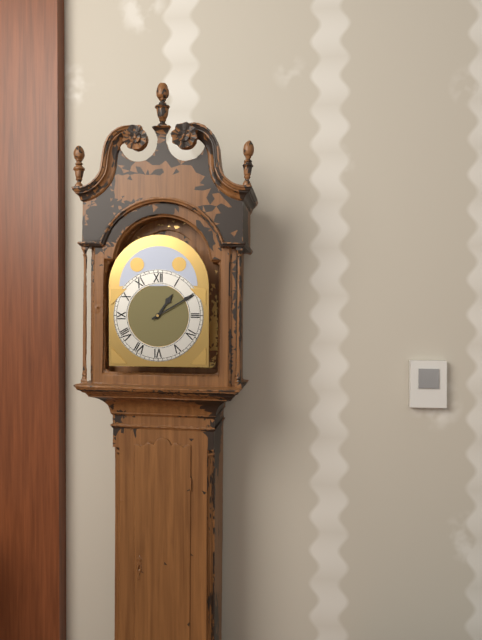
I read 1,10
